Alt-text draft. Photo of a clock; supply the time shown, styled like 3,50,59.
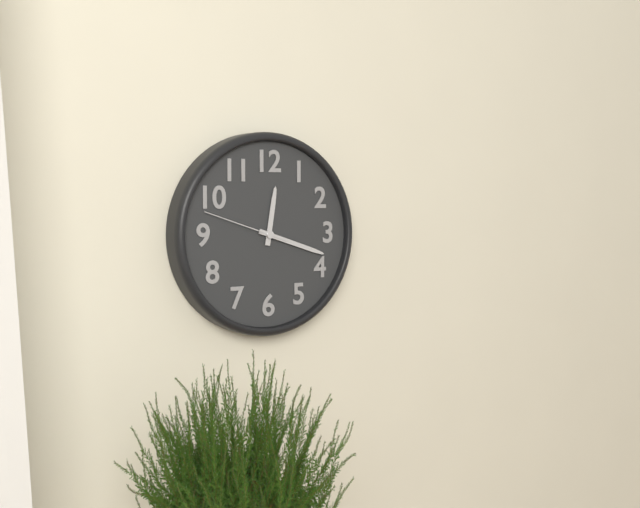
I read 12,18,48
